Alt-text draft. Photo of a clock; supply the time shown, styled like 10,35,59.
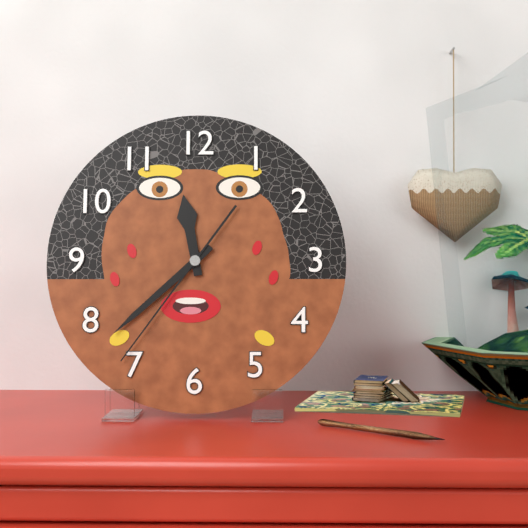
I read 11,38,36
